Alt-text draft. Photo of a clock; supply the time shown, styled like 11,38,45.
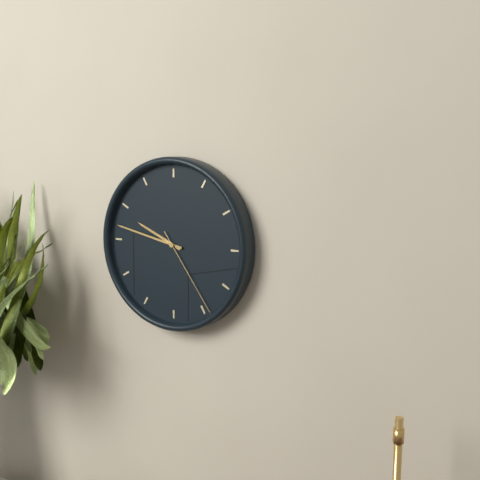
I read 9,47,24
